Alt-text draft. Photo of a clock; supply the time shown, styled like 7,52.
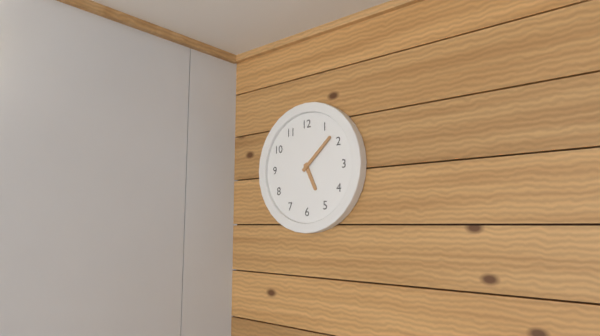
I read 5,08
